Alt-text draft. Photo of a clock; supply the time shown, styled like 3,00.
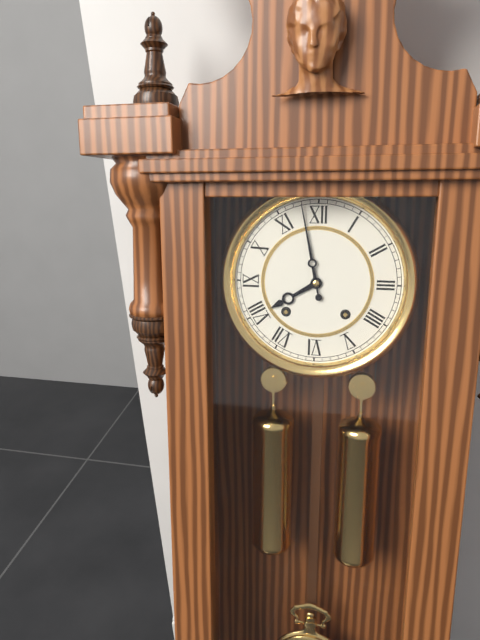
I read 7,58
